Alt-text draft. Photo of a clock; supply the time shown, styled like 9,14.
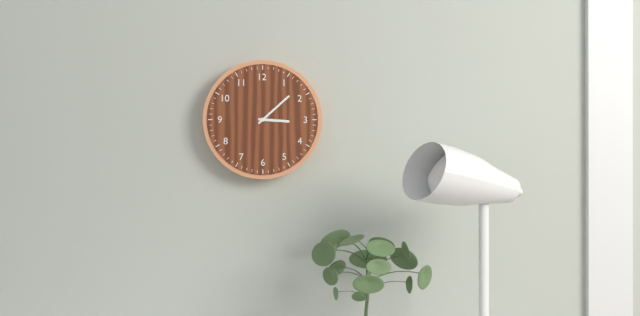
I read 3,08
